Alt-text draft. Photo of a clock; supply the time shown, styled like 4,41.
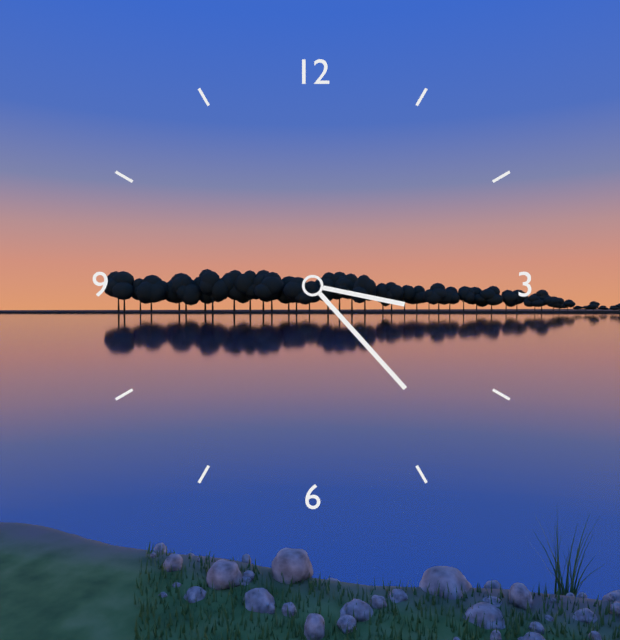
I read 3,23
